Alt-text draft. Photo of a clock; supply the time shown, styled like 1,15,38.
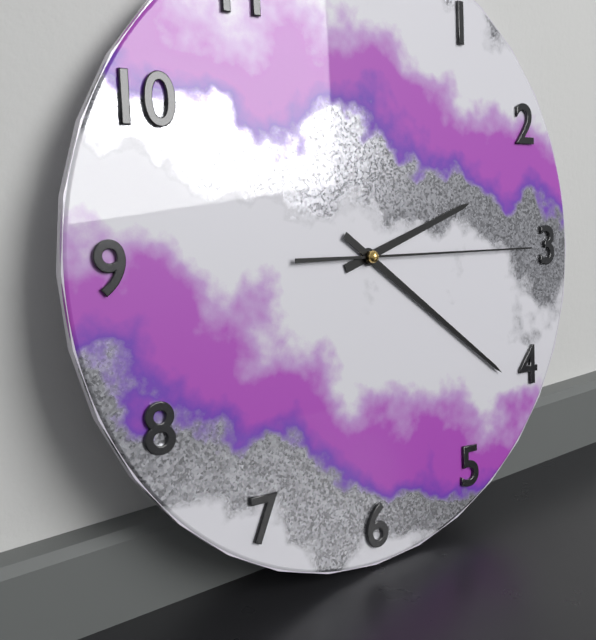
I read 2,21,15
